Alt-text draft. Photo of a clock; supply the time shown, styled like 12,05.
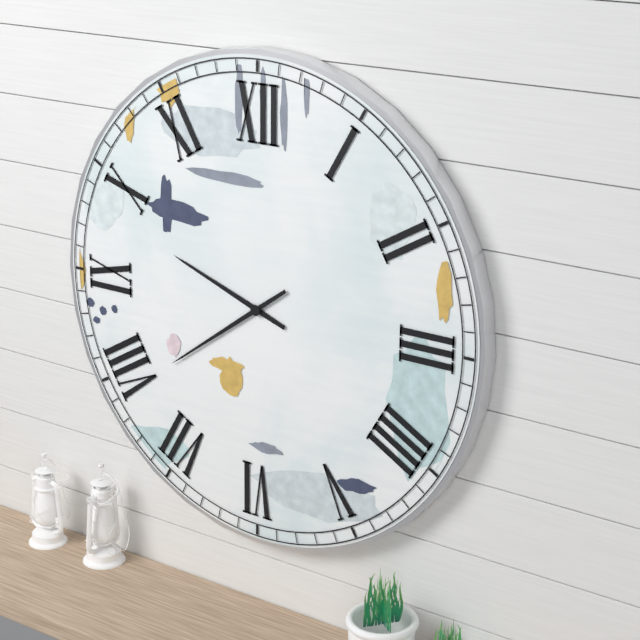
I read 9,39
